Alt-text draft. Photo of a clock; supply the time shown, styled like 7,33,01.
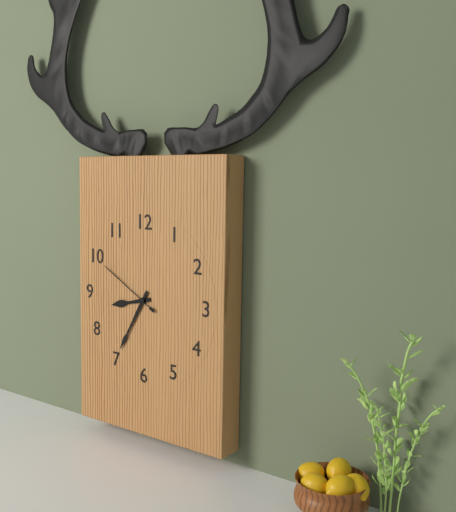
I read 8,35,50
